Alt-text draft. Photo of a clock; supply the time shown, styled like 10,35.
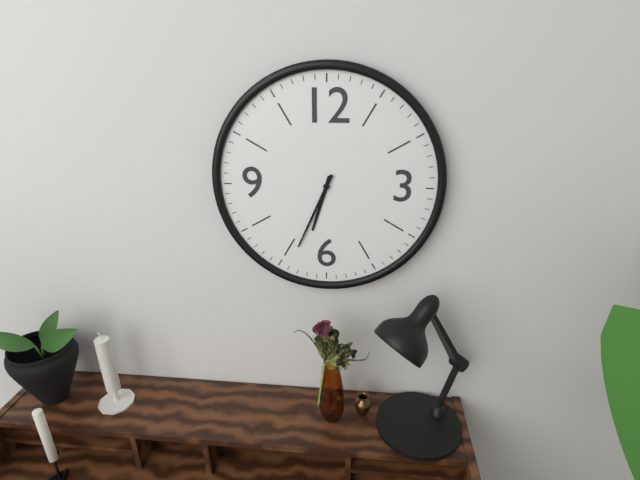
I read 6,34
